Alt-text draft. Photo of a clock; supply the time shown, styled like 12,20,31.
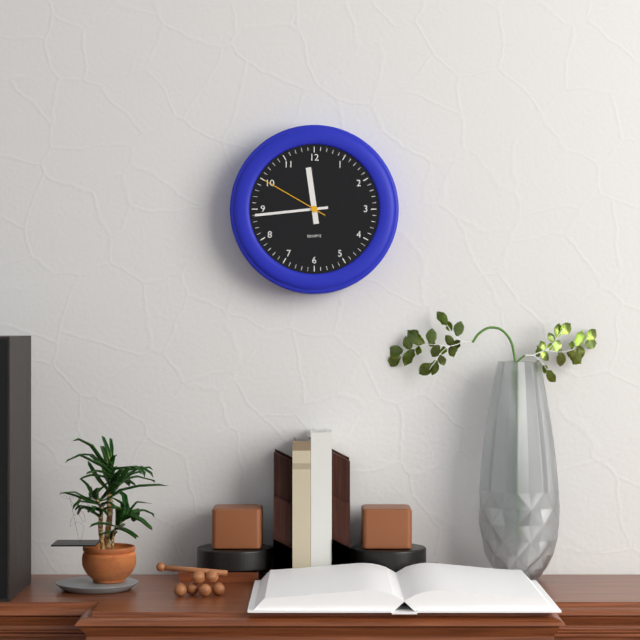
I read 11,44,50
